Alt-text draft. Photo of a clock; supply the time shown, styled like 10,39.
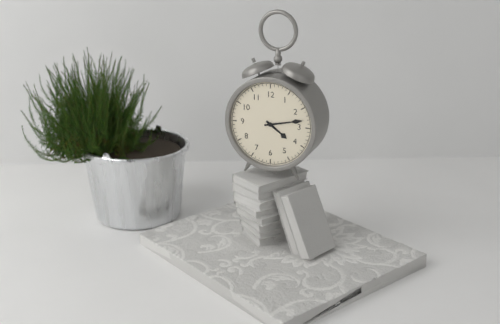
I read 4,13
